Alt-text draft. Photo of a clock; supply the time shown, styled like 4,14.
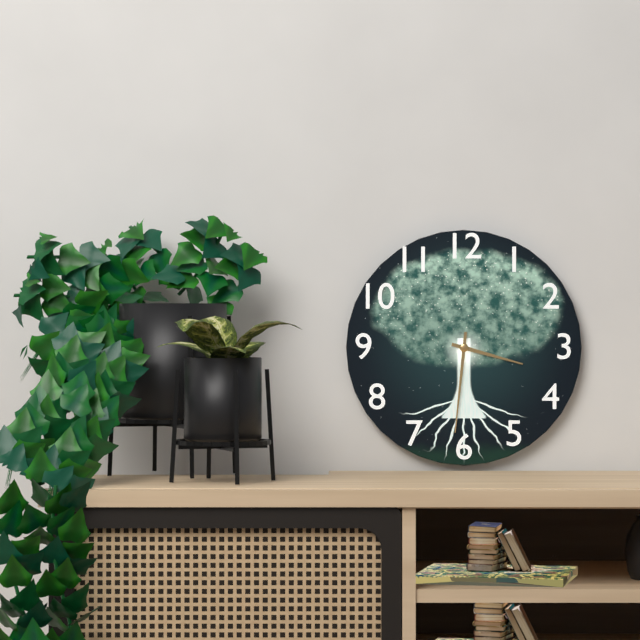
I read 3,31
